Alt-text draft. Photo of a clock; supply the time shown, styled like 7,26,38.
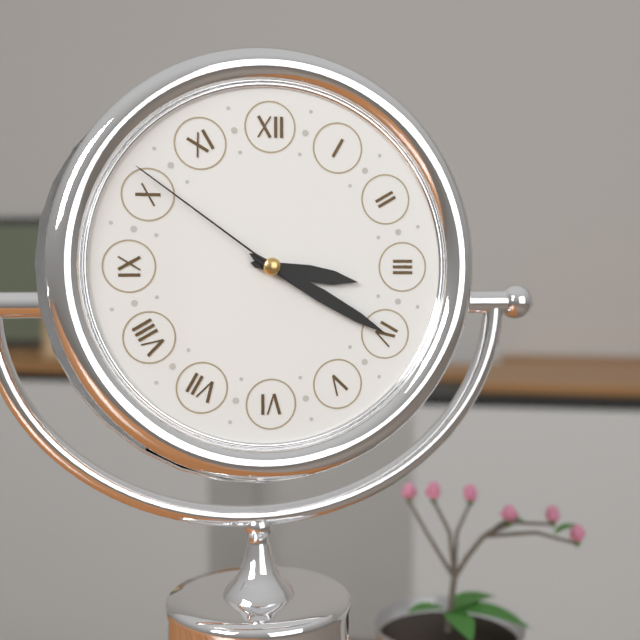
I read 3,20,51
